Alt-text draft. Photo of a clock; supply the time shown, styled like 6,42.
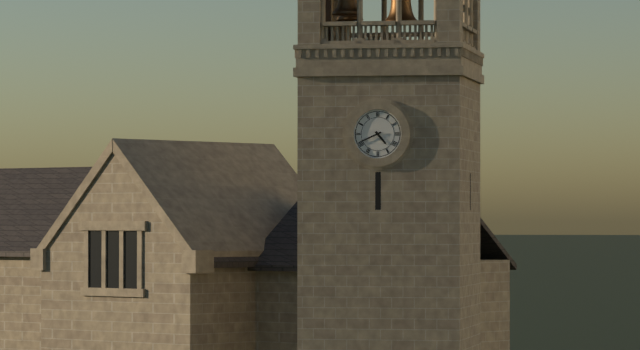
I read 4,41
